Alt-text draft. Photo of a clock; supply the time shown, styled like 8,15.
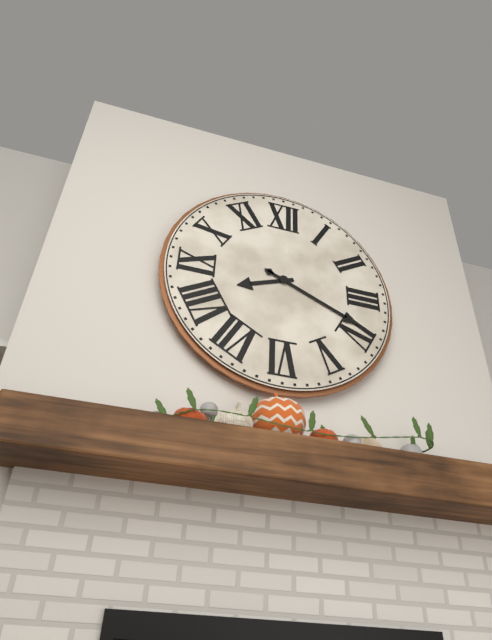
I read 8,19
